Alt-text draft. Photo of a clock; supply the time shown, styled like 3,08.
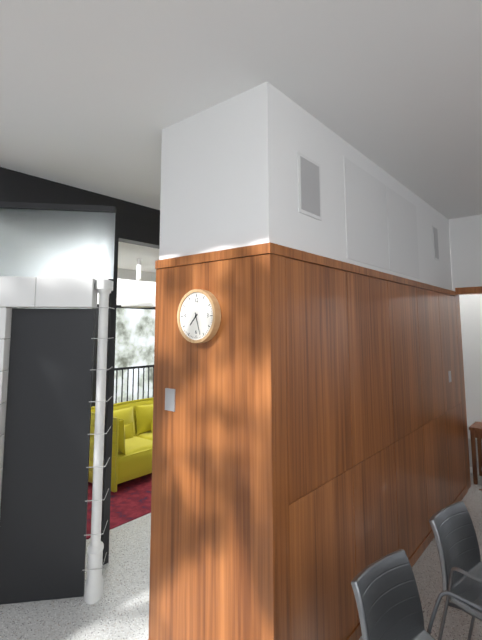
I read 7,27
